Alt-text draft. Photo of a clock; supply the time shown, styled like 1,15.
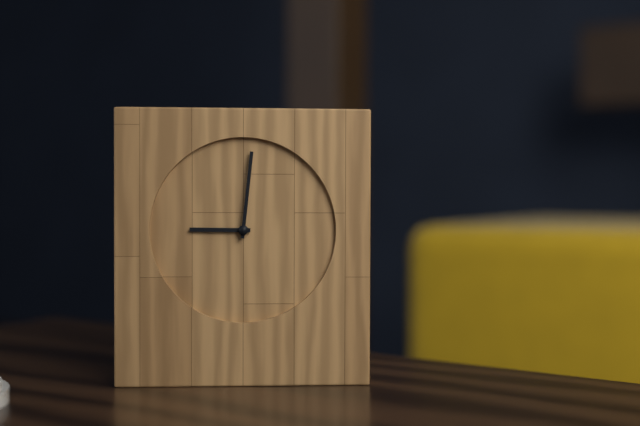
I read 9,01
